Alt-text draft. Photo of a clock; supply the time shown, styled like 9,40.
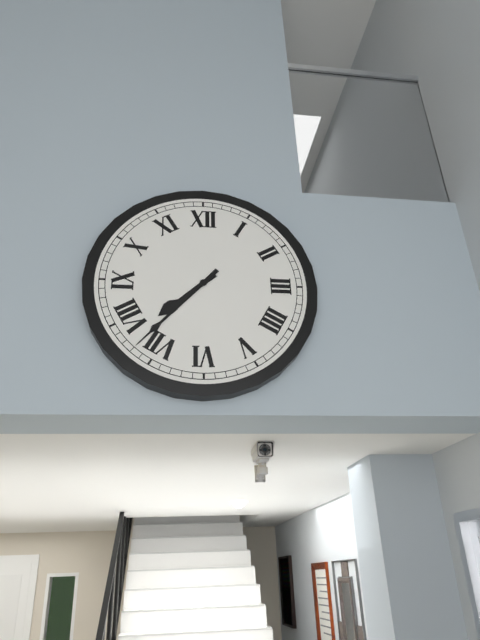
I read 7,37
